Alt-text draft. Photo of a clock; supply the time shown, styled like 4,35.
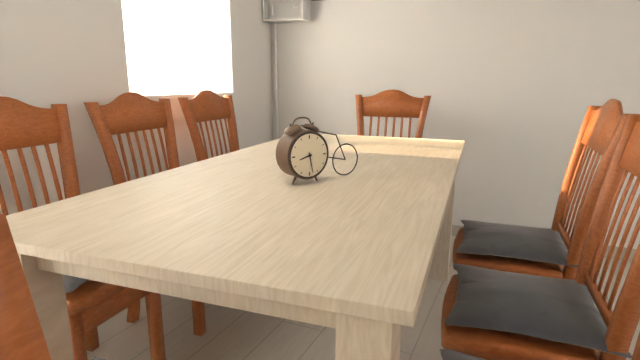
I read 8,28
